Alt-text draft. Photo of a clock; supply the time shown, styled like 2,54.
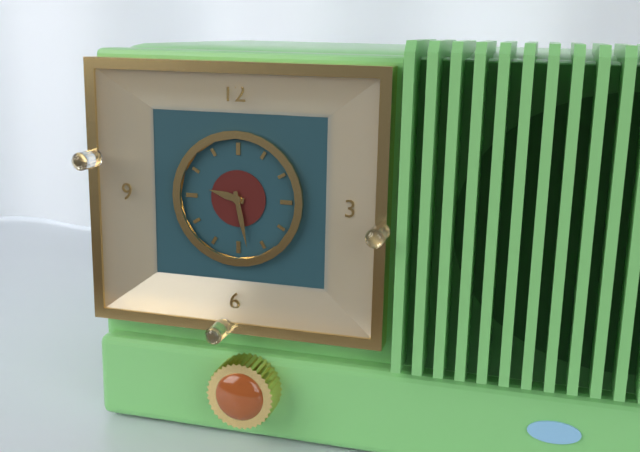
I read 9,28
